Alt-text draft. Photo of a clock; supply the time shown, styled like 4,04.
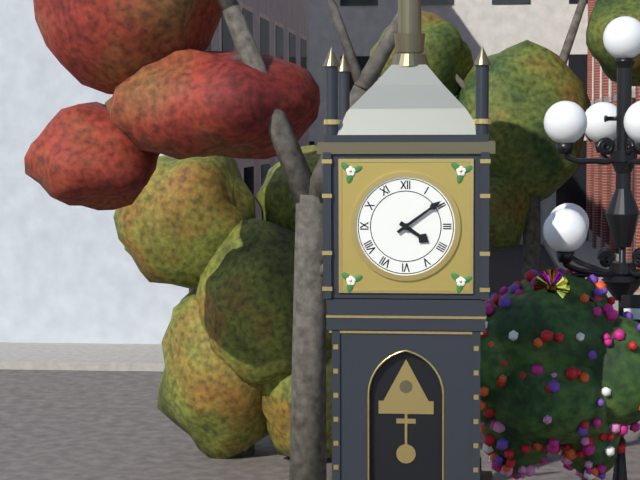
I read 4,09
